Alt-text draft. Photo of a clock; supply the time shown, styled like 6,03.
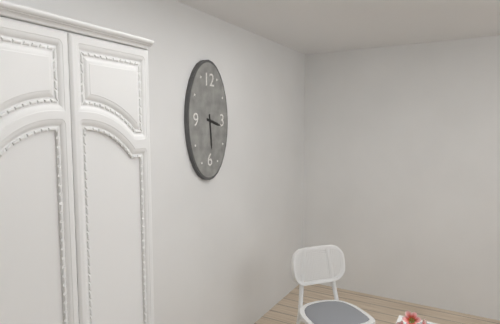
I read 3,29
